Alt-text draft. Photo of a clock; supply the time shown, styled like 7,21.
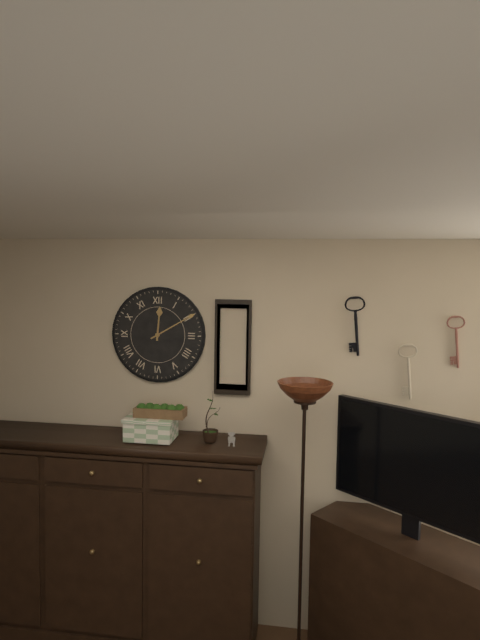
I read 12,10
